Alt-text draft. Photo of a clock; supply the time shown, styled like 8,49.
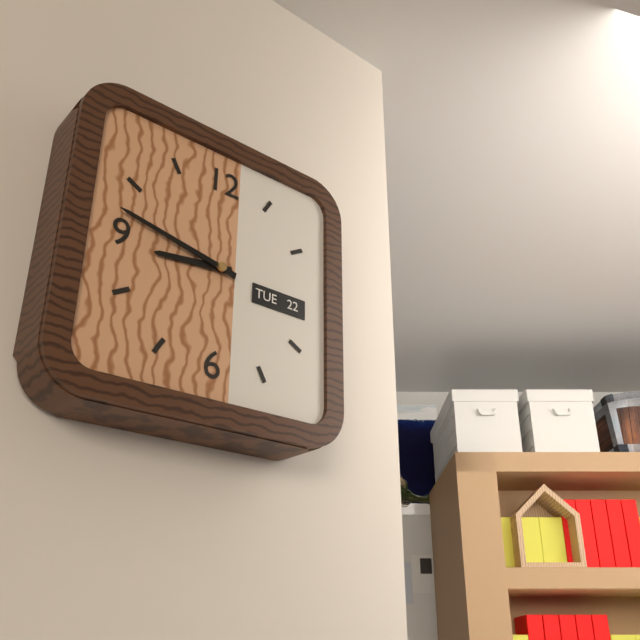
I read 8,47
